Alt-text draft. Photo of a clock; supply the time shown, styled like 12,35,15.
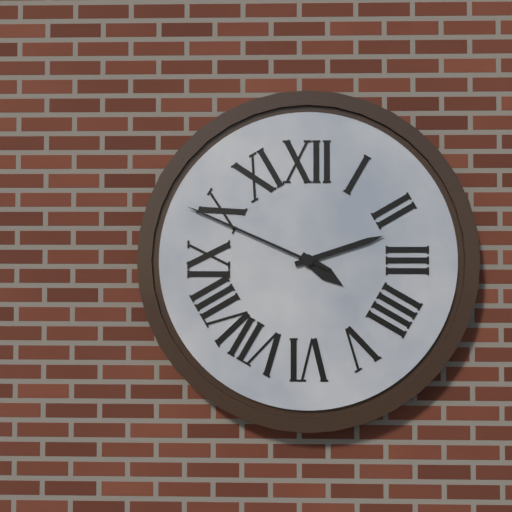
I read 4,12,49
